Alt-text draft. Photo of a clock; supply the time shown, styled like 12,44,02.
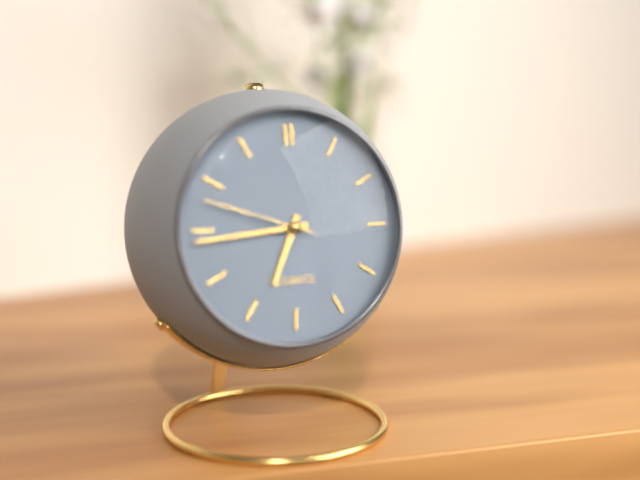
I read 6,44,48
